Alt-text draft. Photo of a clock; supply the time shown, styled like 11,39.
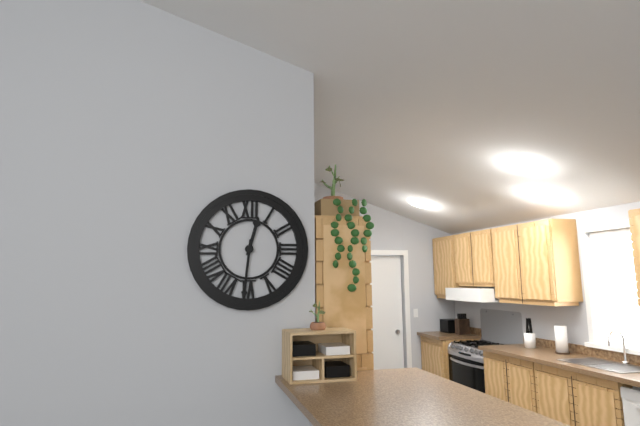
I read 12,31
